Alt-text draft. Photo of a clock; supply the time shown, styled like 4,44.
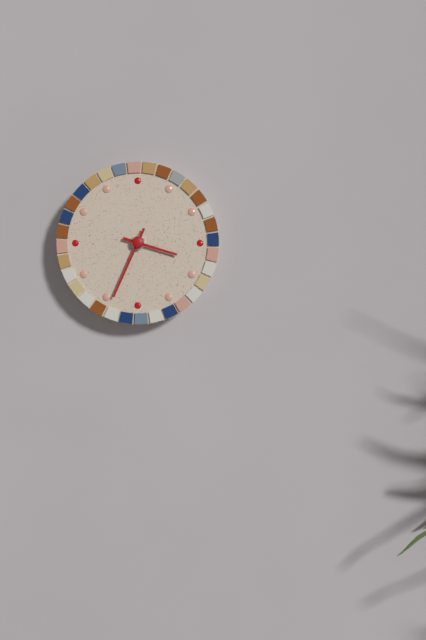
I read 3,34
